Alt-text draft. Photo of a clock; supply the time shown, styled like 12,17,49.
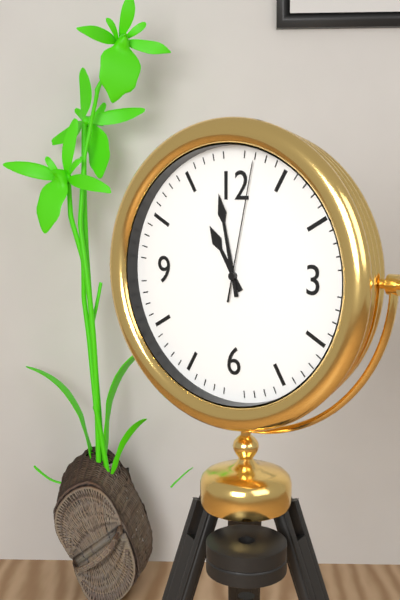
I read 10,58,02
